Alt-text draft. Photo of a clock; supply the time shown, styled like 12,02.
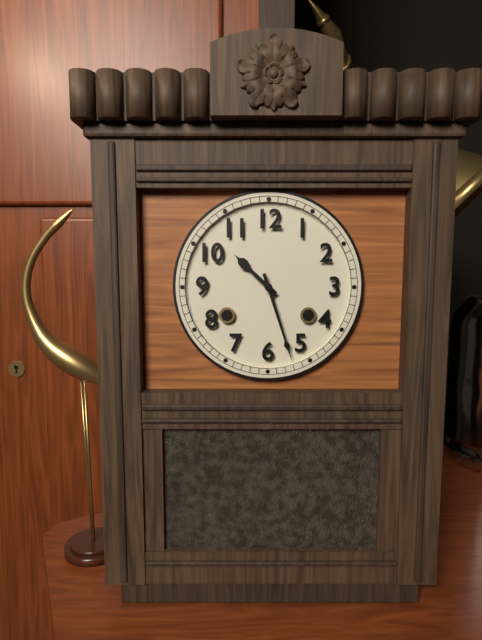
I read 10,27
